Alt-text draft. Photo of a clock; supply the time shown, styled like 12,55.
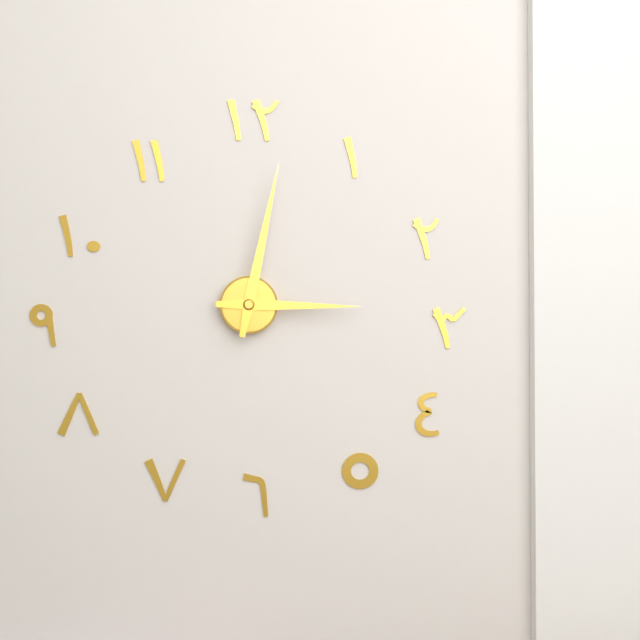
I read 3,02
